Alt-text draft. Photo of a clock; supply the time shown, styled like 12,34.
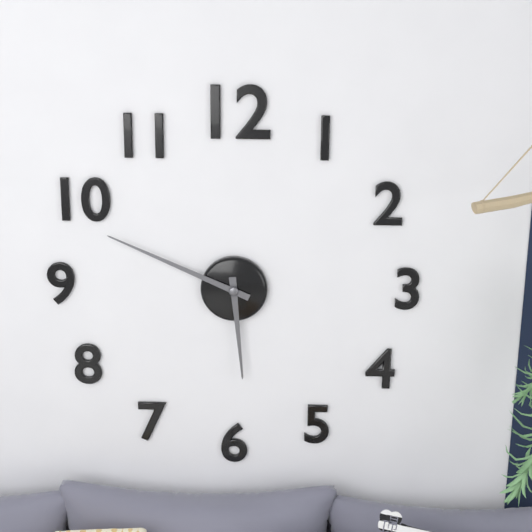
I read 5,49
